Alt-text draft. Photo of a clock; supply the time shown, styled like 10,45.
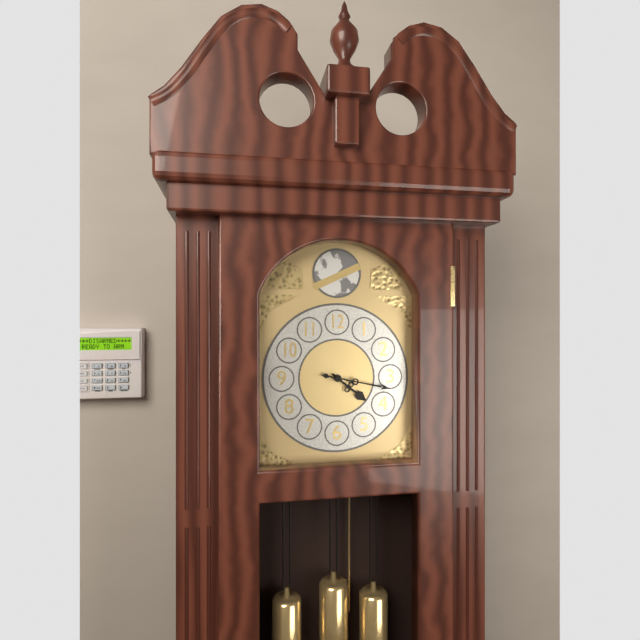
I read 4,17
